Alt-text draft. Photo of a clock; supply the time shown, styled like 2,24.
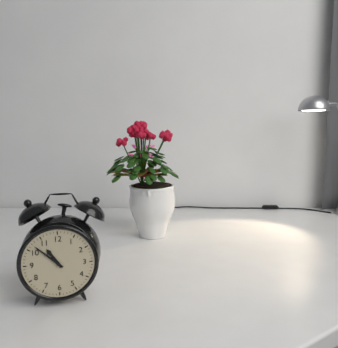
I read 10,52
